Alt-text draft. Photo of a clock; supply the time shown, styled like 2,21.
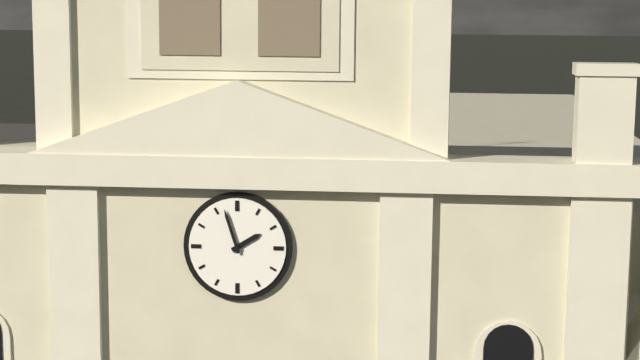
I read 1,57
